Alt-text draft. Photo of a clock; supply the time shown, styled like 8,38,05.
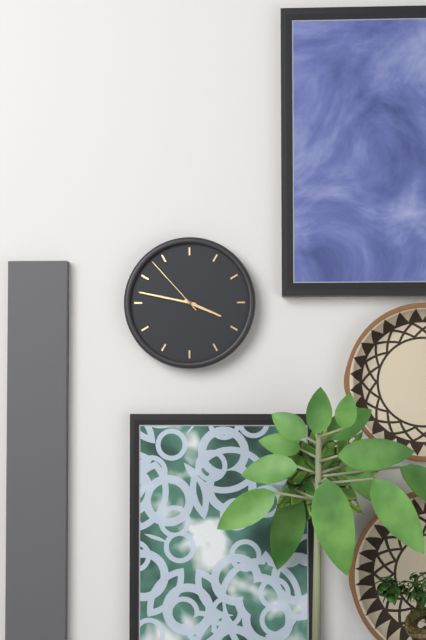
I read 3,47,53
